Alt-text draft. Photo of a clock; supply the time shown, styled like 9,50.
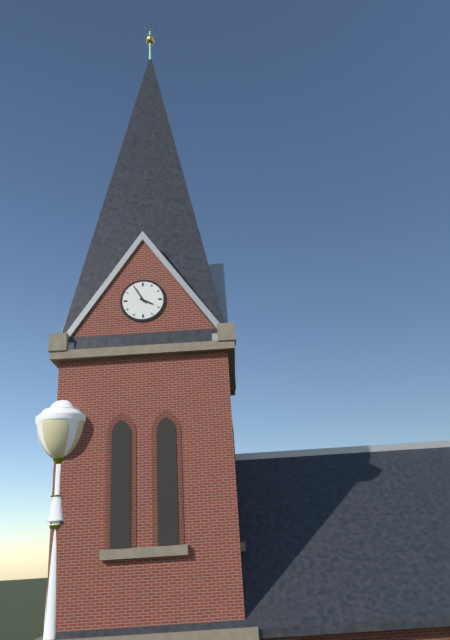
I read 3,55
